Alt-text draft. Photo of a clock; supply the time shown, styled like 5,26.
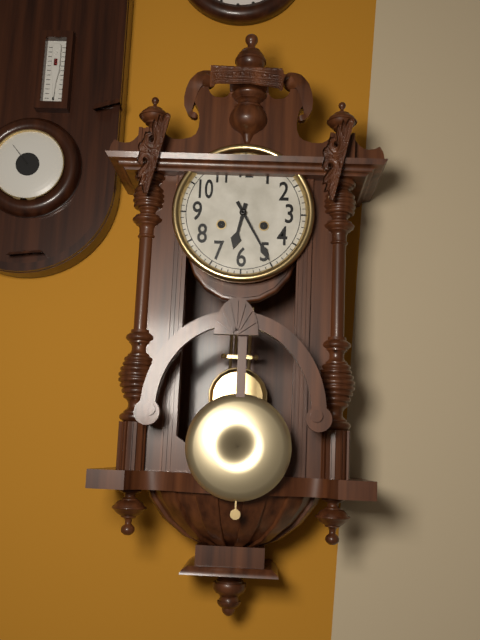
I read 6,25
